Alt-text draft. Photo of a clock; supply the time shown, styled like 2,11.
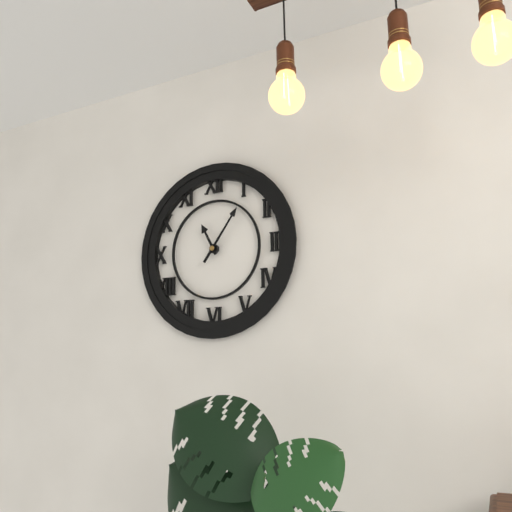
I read 11,06
